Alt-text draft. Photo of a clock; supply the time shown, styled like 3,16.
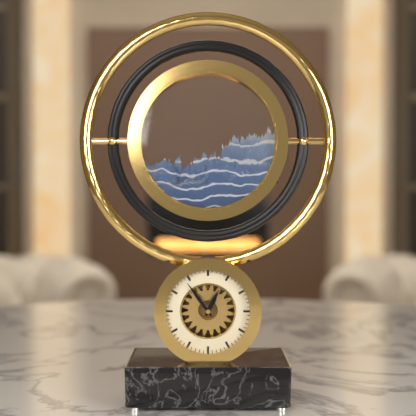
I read 12,54
